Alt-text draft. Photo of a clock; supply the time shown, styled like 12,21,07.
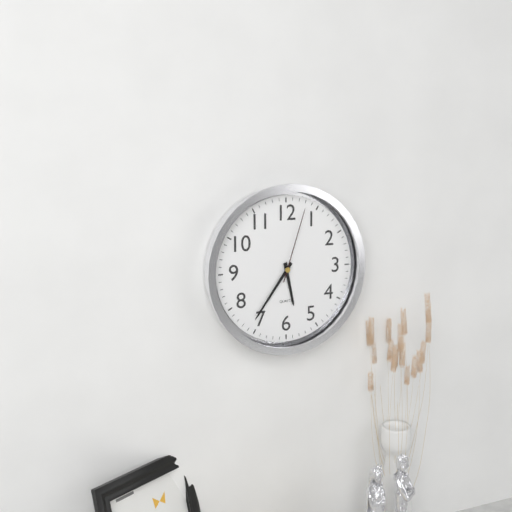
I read 5,36,03
